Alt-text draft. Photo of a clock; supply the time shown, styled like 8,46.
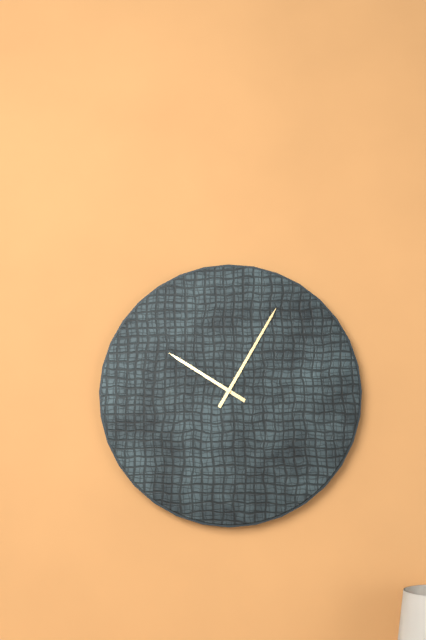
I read 10,05
